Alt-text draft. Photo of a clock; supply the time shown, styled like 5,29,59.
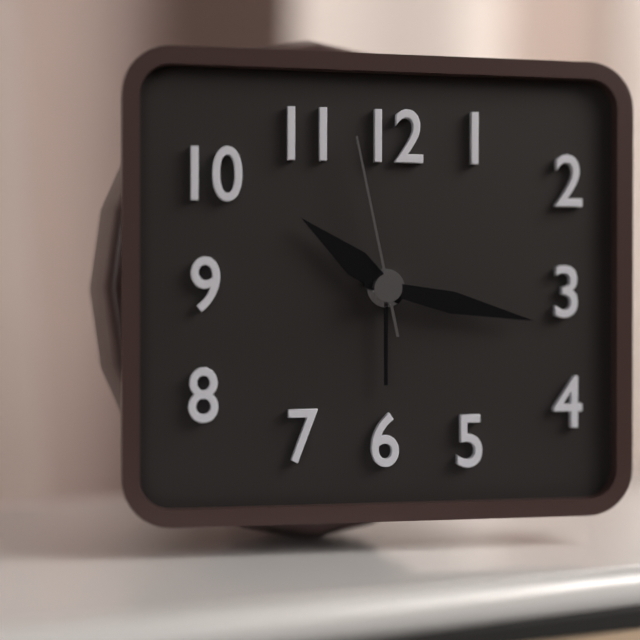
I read 10,17,58
